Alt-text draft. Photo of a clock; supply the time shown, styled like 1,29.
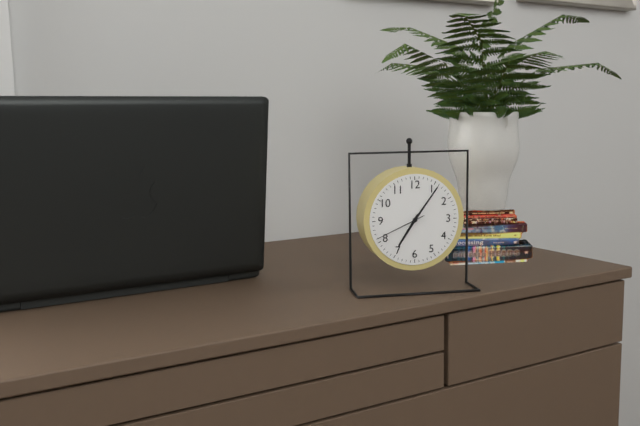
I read 7,06
